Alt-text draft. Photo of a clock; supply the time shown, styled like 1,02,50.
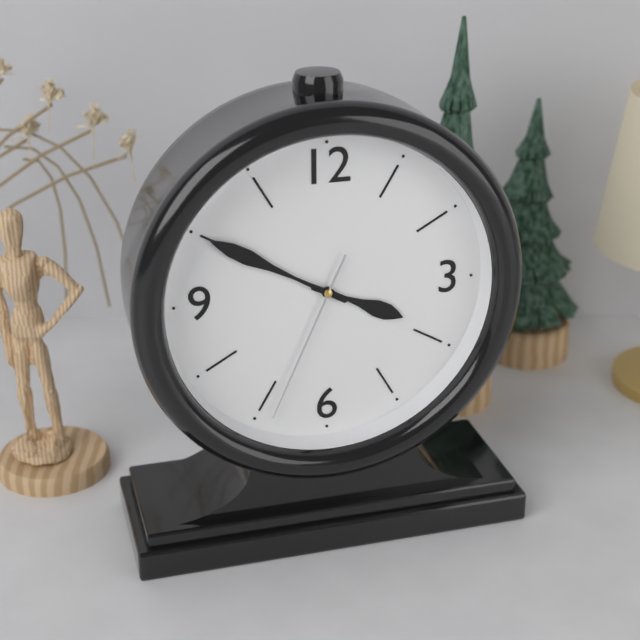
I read 3,50,34
